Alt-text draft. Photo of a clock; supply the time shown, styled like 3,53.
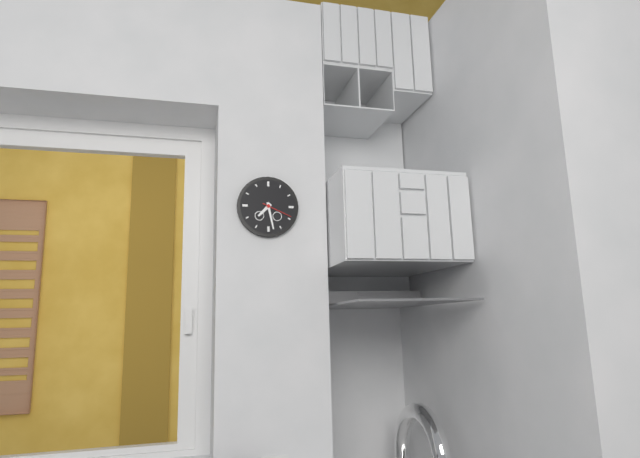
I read 7,28
